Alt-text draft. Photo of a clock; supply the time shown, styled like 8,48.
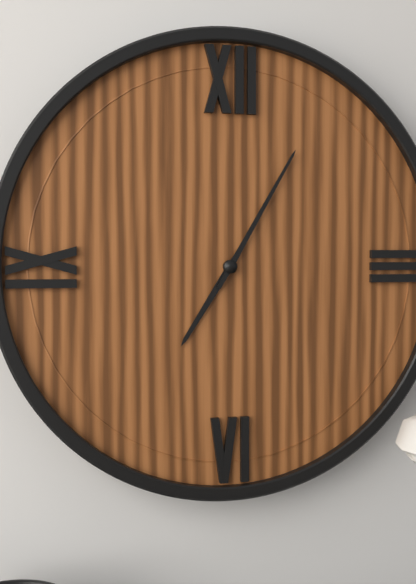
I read 7,05
